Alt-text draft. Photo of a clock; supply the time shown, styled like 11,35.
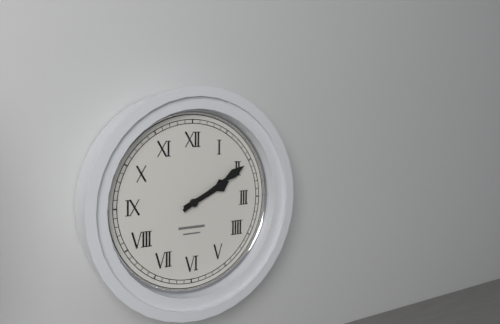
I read 2,10
